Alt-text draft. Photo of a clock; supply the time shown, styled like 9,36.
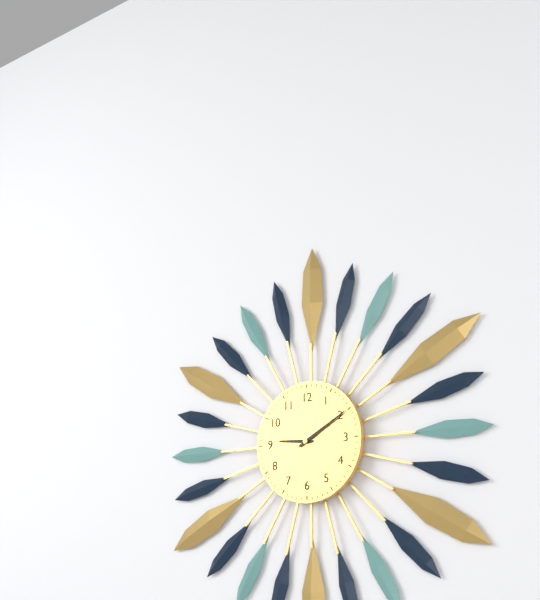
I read 9,10
